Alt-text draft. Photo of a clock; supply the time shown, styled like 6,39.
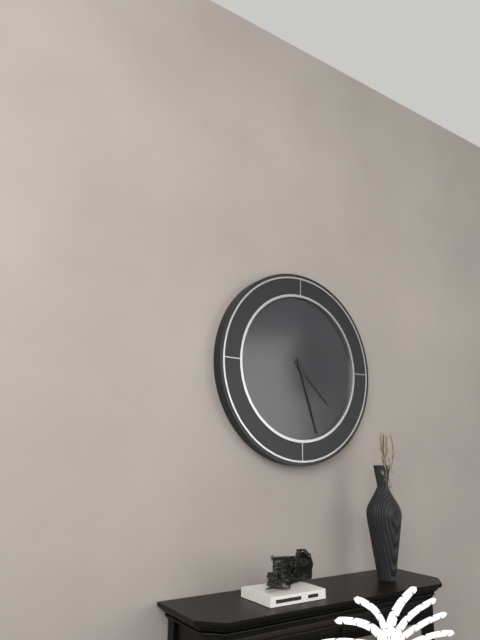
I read 4,27
